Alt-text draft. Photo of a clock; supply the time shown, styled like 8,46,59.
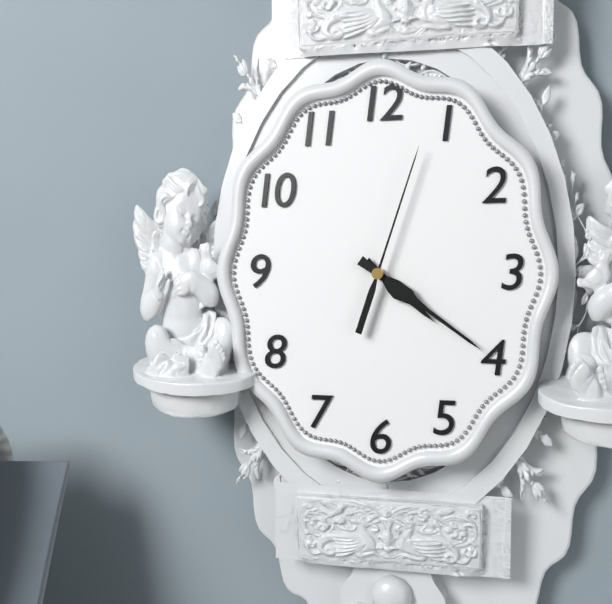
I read 4,21,03
